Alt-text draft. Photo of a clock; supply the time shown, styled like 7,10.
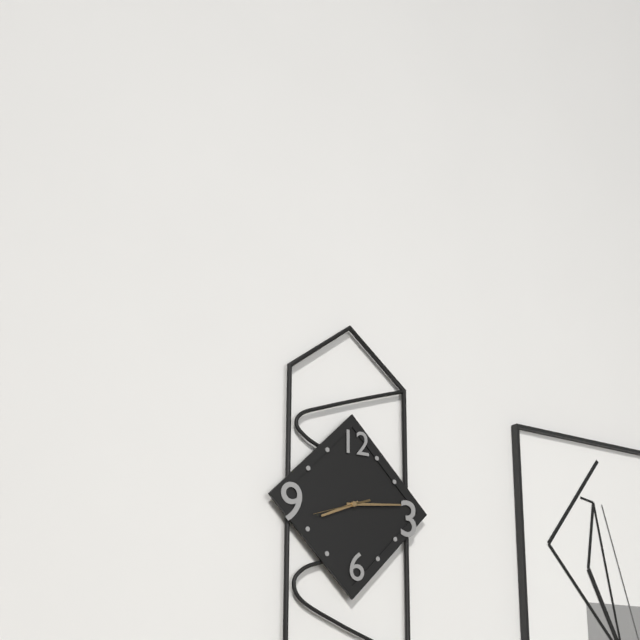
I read 8,14
